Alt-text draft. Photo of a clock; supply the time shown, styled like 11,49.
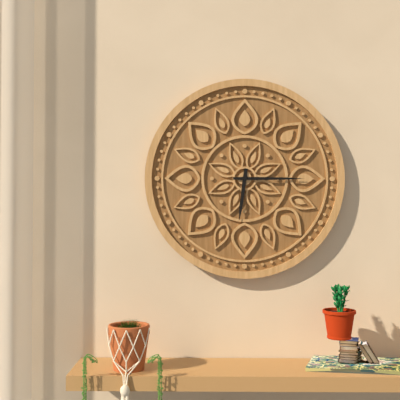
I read 6,15
